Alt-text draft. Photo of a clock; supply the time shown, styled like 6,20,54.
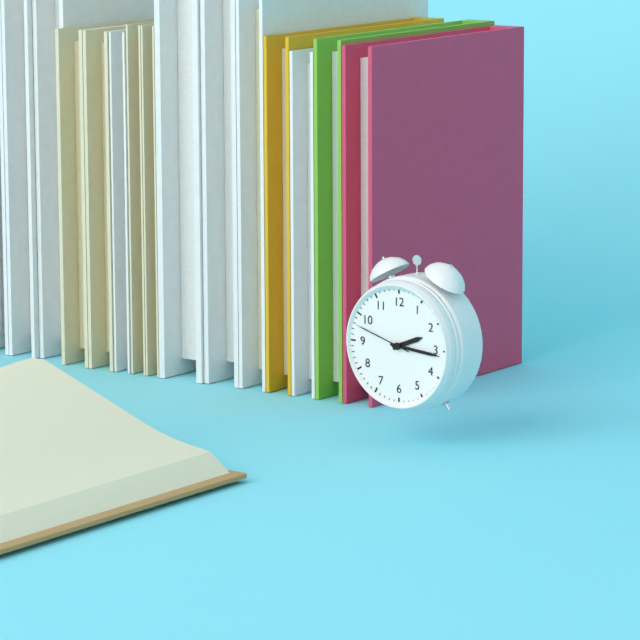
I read 2,16,48
